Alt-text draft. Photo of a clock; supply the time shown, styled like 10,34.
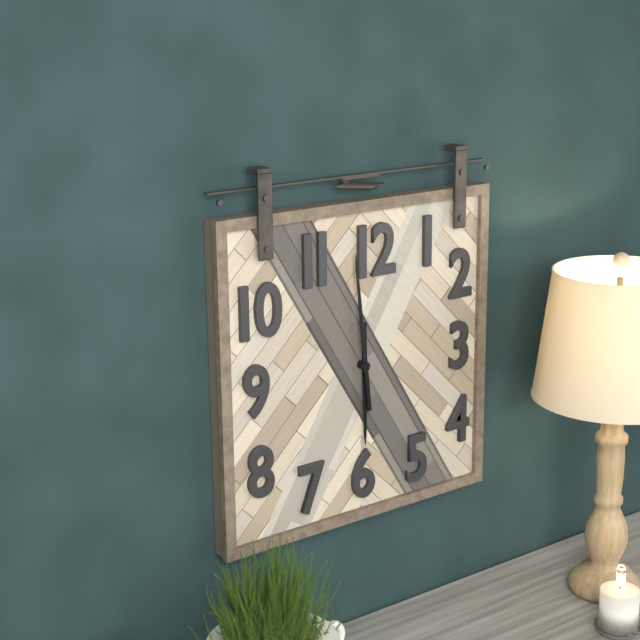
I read 5,59
